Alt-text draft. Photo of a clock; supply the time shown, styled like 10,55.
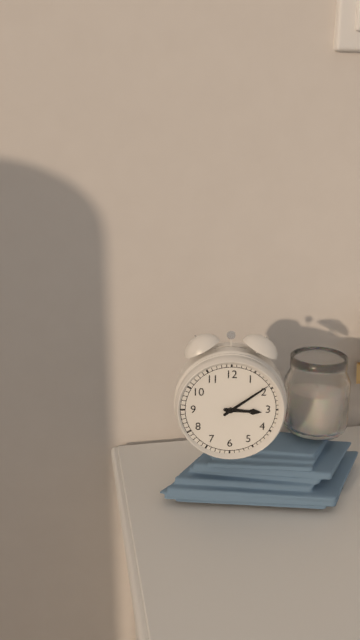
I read 3,09
